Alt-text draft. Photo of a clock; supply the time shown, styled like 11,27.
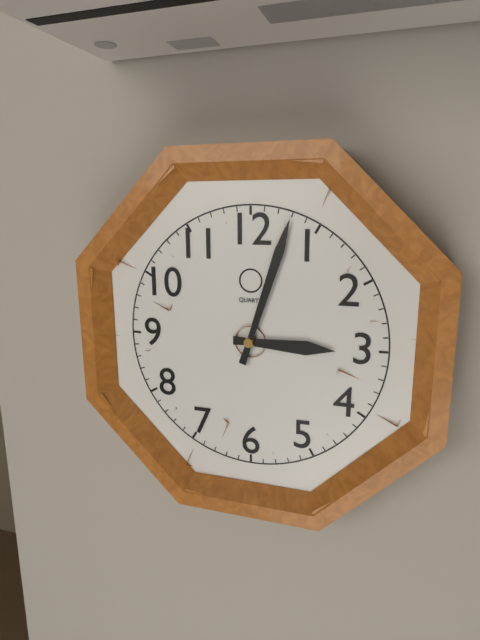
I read 3,03
